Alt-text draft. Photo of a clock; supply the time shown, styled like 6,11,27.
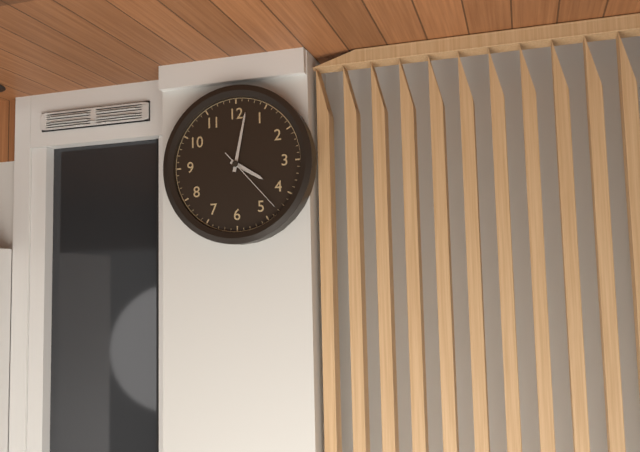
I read 4,02,23
